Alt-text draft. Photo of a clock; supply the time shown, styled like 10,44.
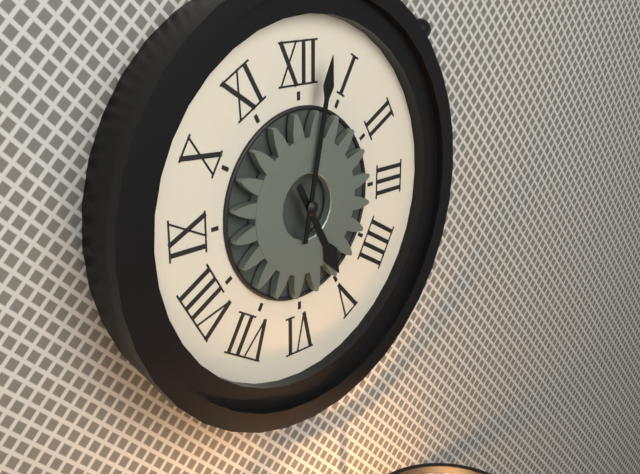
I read 5,02
